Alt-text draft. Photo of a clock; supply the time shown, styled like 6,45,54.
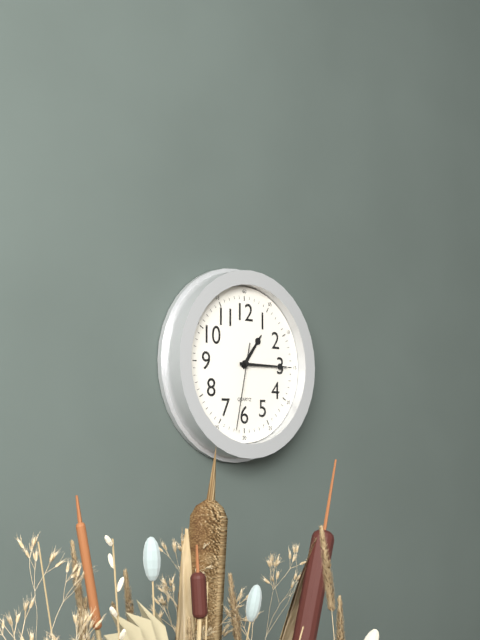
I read 1,15,32
